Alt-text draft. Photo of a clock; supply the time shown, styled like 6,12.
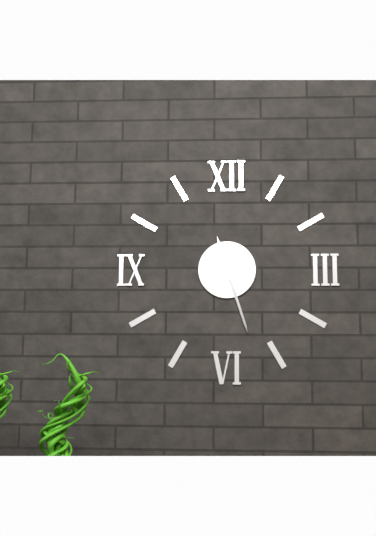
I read 11,27
